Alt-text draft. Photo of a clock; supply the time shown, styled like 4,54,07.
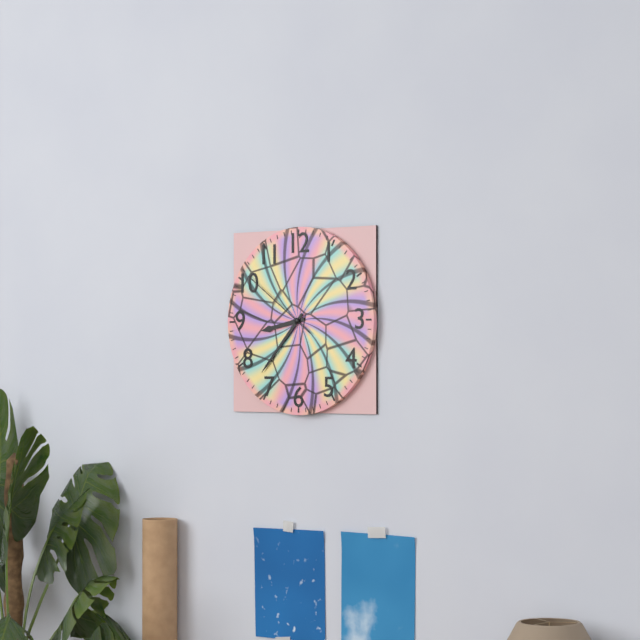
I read 8,37,51
